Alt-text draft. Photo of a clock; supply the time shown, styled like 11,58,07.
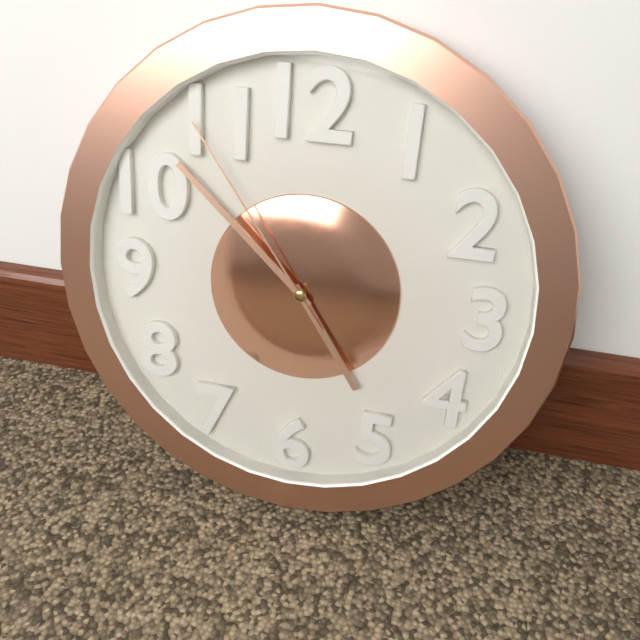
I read 4,52,54
